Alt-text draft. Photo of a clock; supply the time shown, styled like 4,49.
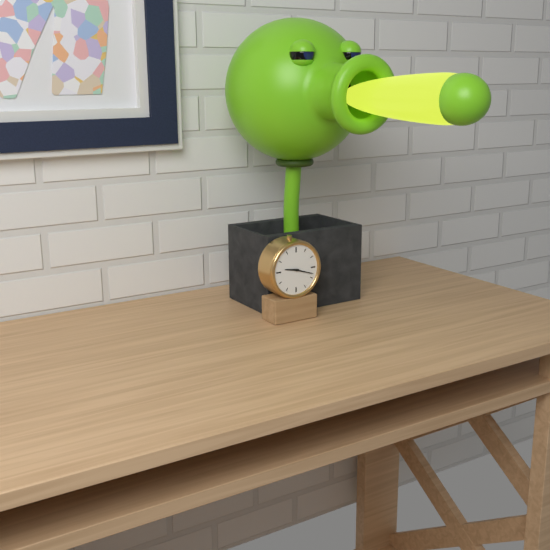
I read 9,18
